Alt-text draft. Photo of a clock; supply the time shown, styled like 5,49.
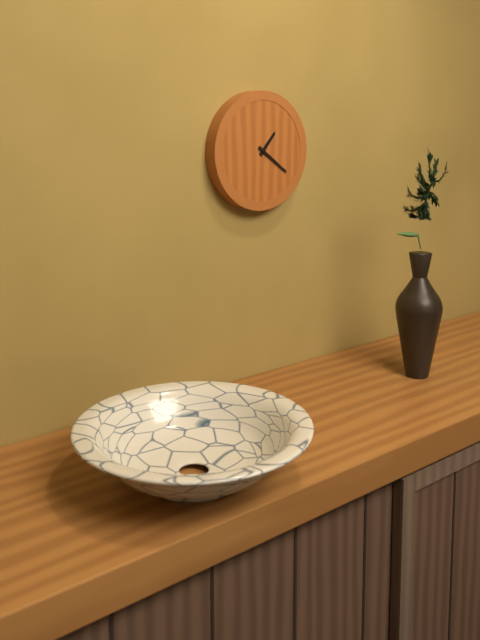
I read 1,21
